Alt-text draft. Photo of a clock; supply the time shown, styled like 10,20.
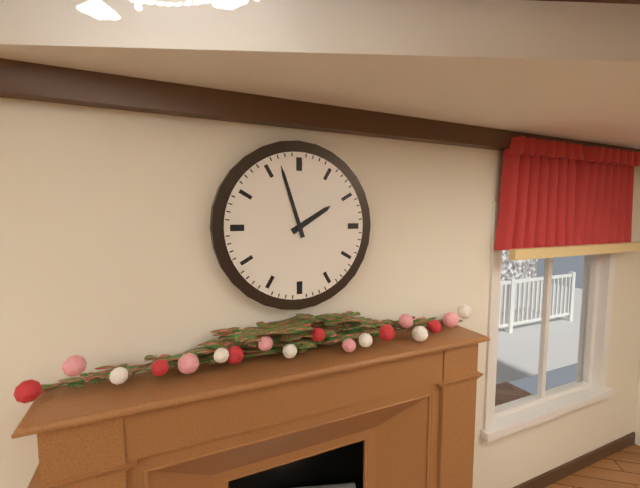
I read 1,57
